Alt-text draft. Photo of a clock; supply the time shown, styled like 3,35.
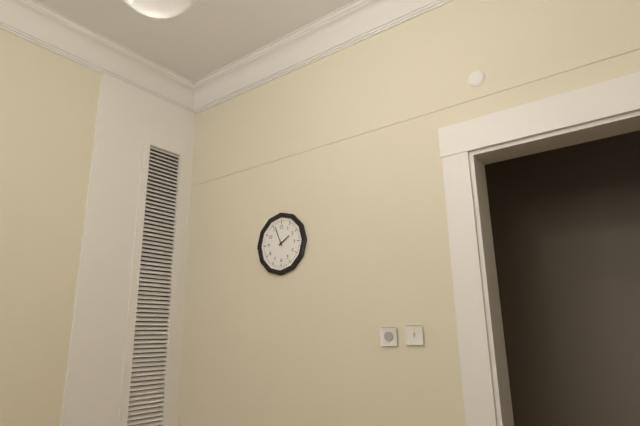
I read 1,56
